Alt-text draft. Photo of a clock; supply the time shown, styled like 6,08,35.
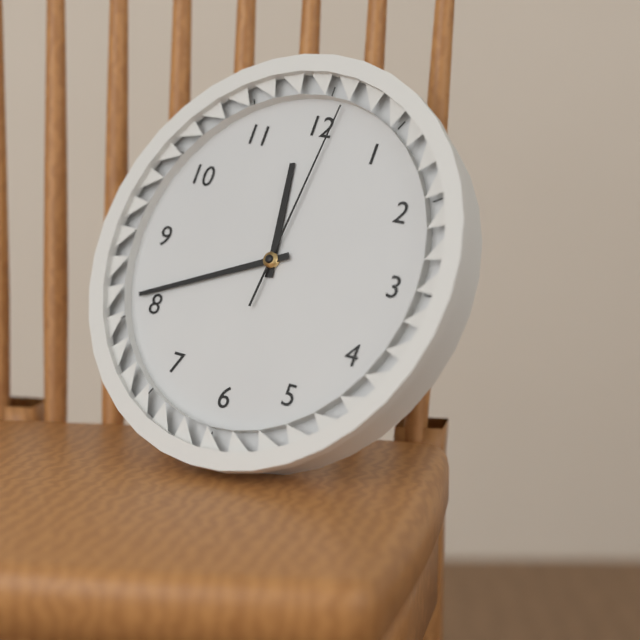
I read 11,41,01
